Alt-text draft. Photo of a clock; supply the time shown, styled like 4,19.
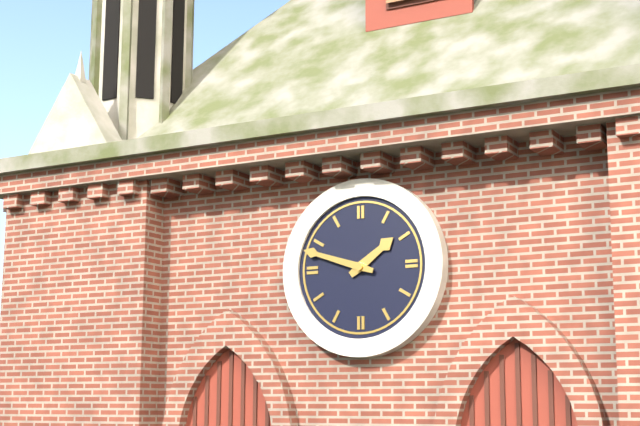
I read 1,48
